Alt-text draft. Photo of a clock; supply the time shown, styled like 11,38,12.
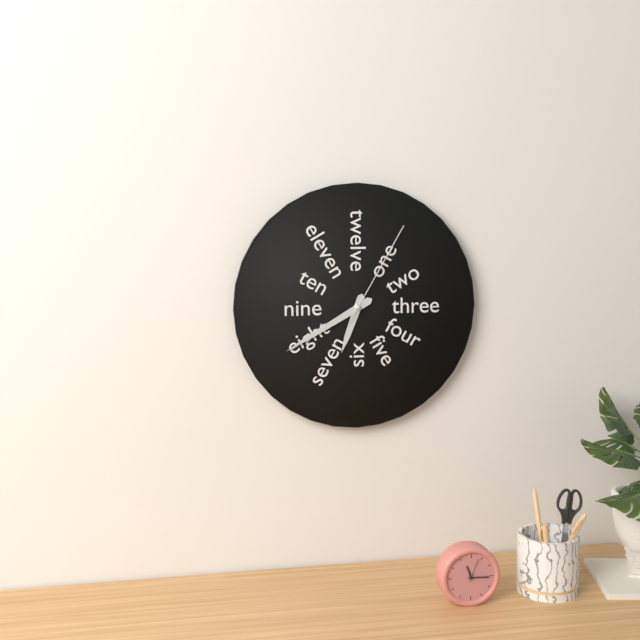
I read 6,40,05
